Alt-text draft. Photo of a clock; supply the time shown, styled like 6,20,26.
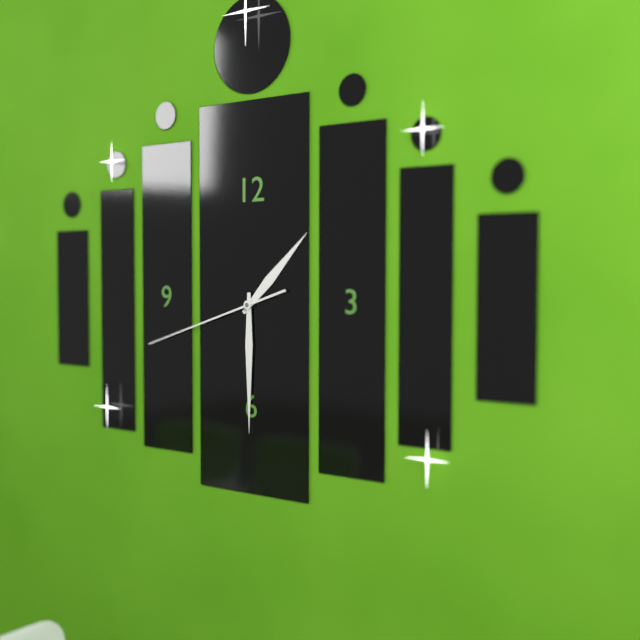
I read 1,30,42
